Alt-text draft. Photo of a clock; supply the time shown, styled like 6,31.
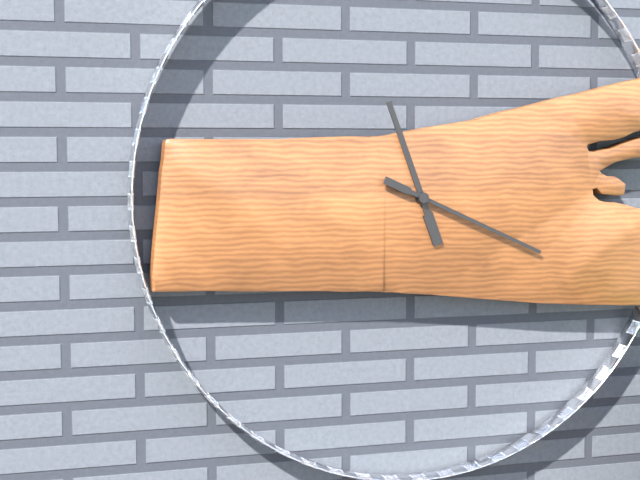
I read 11,19
